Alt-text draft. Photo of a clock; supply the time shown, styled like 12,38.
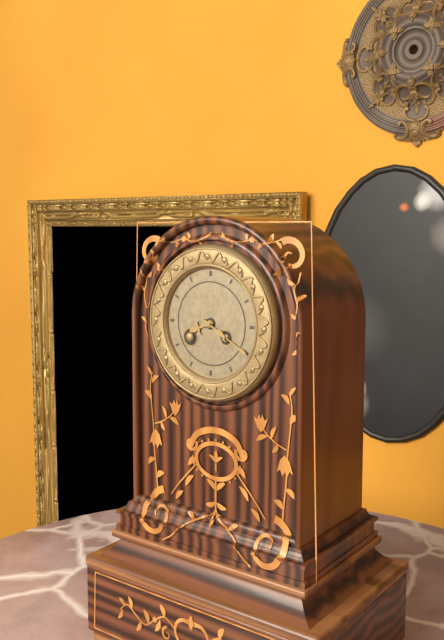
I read 8,20
